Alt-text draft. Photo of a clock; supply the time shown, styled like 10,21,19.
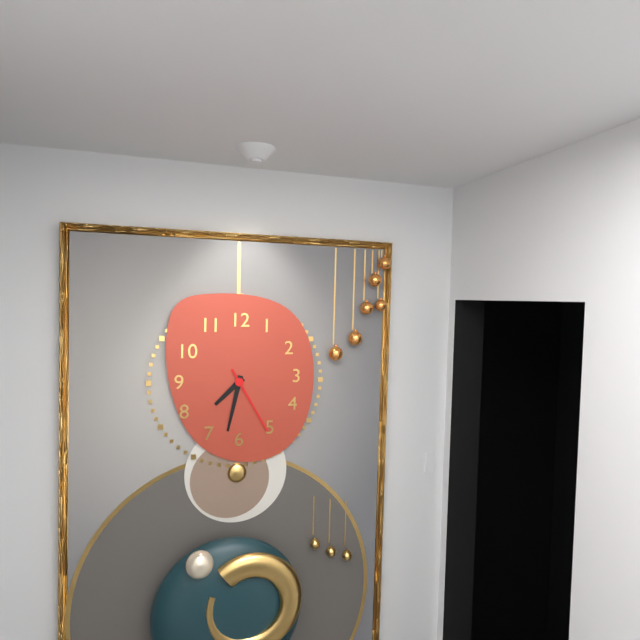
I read 7,32,25
